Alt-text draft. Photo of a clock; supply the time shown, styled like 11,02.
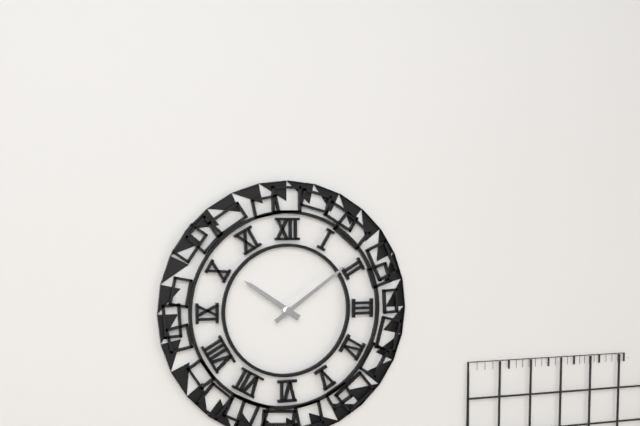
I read 10,09
